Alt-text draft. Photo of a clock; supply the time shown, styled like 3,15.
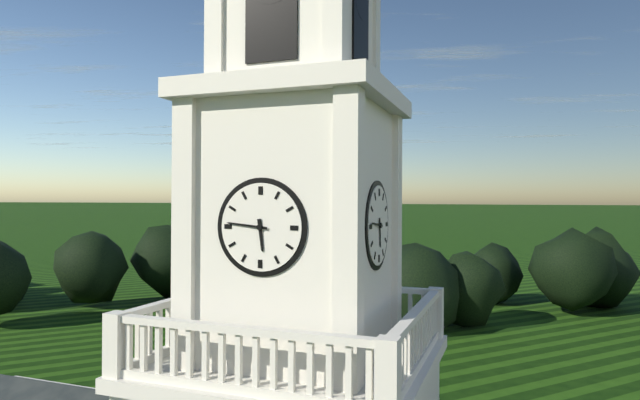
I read 5,46
